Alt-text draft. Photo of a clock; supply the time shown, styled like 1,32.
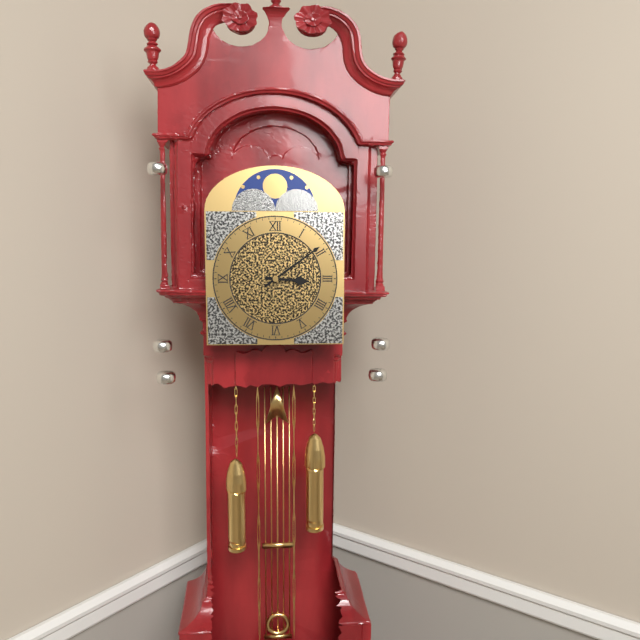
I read 3,09
